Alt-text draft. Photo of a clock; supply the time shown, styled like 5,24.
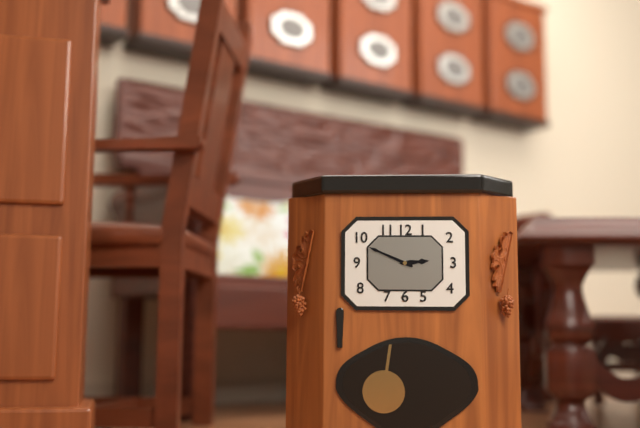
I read 2,49
